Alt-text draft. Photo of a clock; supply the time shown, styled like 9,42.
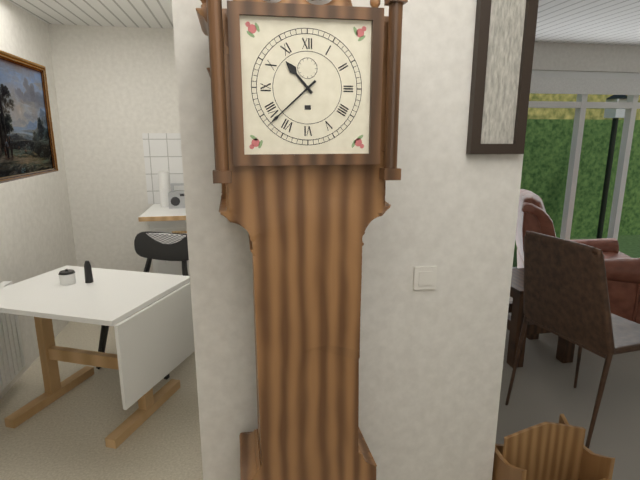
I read 10,38
